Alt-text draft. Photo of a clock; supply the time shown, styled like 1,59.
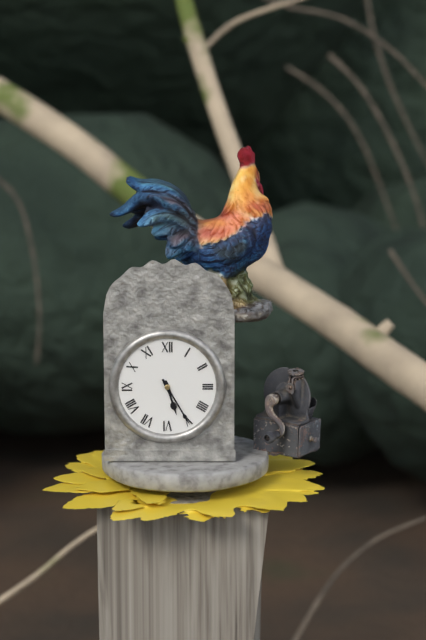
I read 5,25
